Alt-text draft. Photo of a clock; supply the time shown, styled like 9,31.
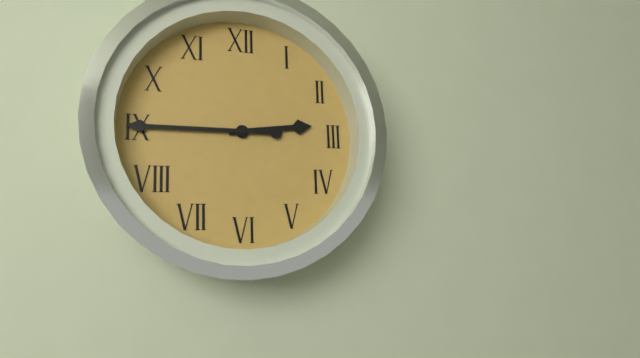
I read 2,45
